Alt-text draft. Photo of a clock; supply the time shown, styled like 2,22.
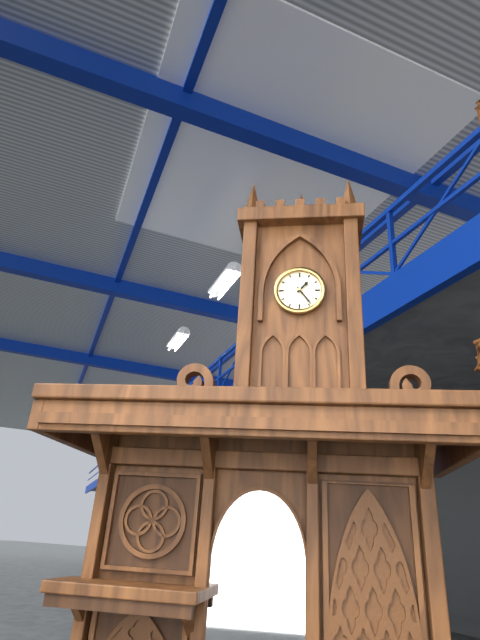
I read 1,24
